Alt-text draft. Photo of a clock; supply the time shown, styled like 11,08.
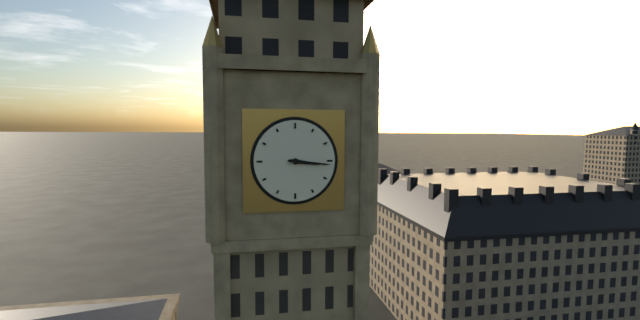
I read 3,16
